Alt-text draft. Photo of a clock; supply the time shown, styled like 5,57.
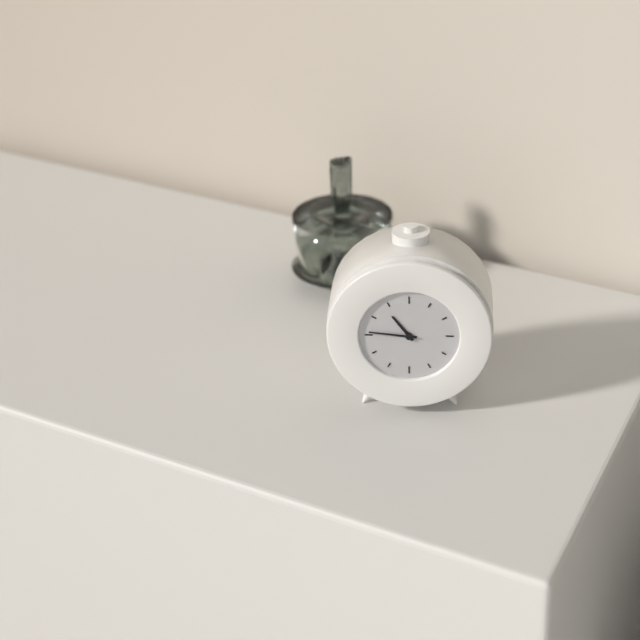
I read 10,46
